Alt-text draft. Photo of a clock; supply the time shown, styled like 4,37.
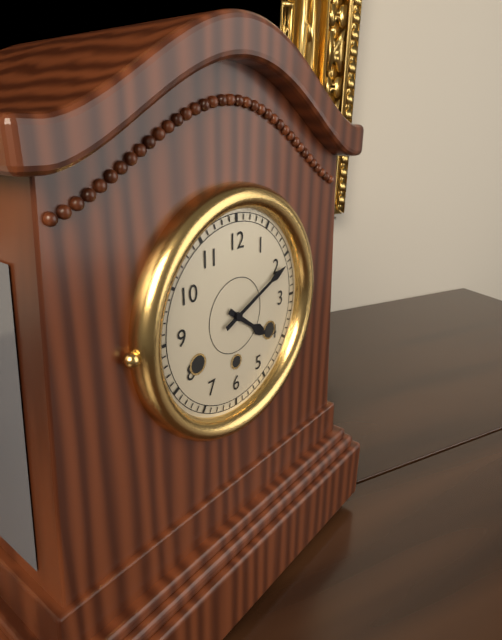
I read 4,11
